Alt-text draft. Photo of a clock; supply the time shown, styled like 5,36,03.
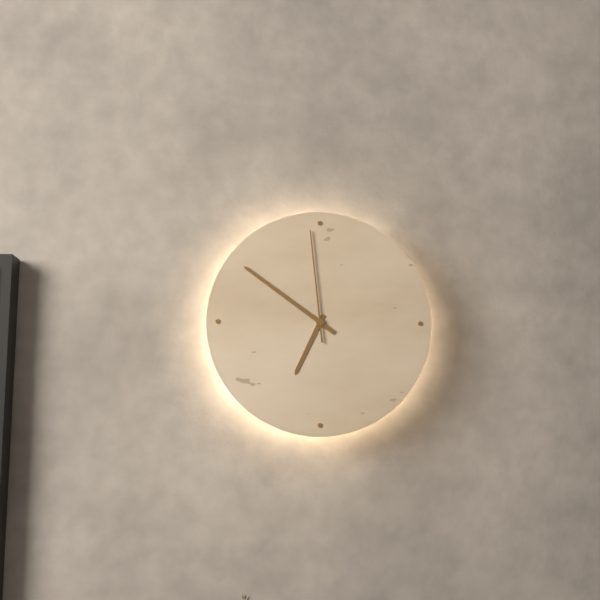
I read 6,51,59
